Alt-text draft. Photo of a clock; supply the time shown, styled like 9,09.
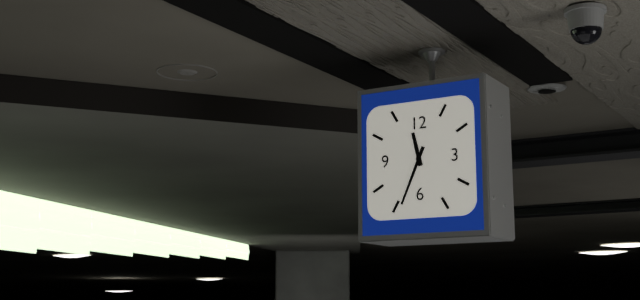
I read 11,34
